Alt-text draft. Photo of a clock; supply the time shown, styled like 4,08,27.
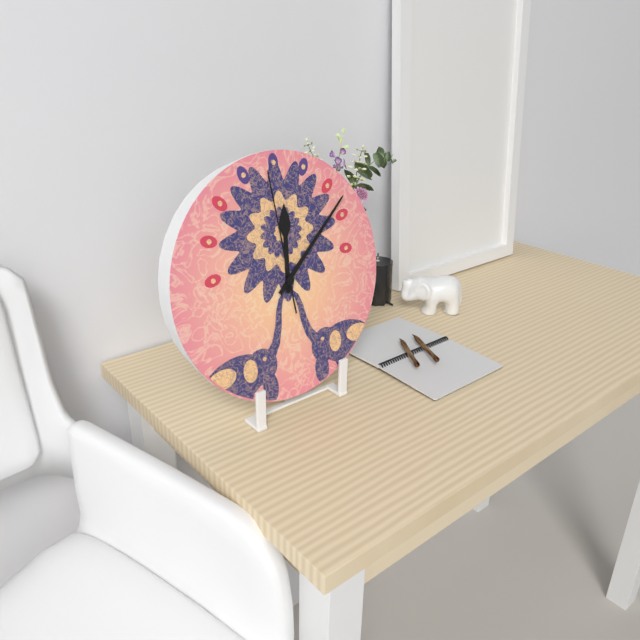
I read 12,08,59
